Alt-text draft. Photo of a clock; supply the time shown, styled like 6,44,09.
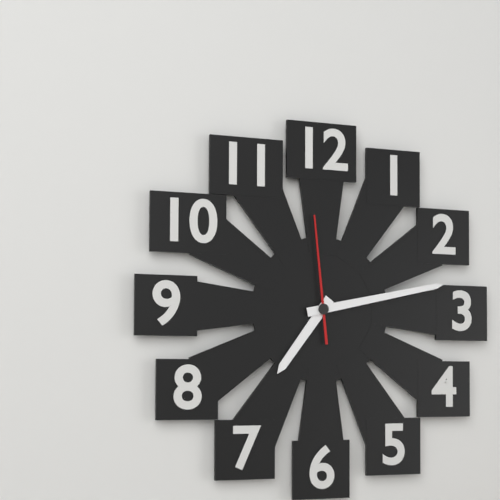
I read 7,13,59
